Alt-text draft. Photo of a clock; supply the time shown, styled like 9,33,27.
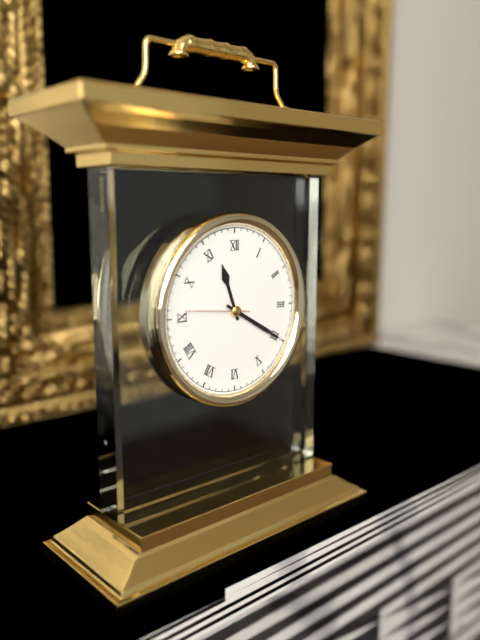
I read 11,20,46
